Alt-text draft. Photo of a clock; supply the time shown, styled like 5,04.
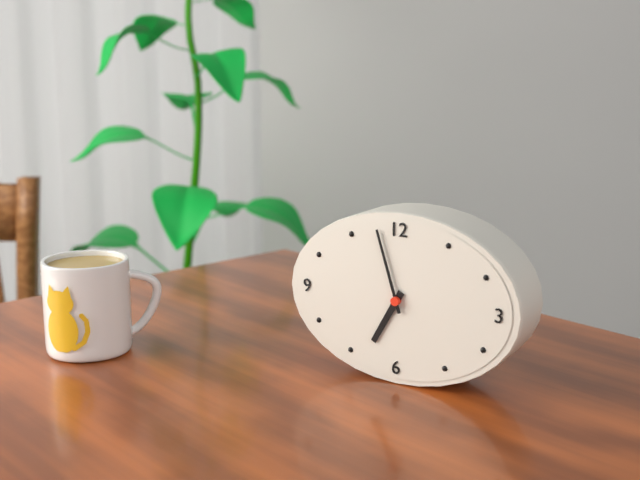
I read 6,57
